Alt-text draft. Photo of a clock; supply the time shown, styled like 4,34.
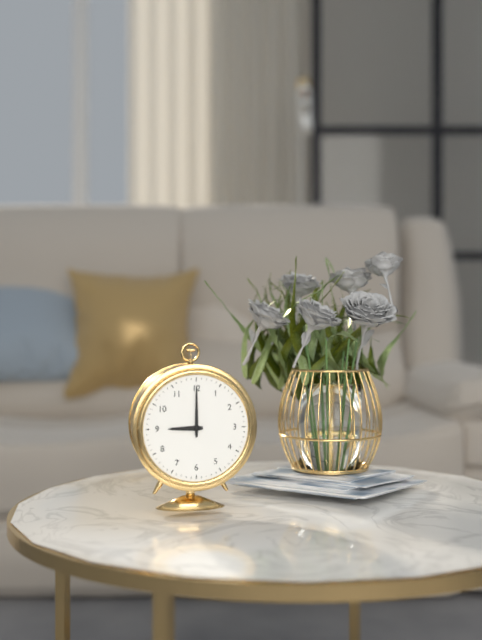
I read 9,00
